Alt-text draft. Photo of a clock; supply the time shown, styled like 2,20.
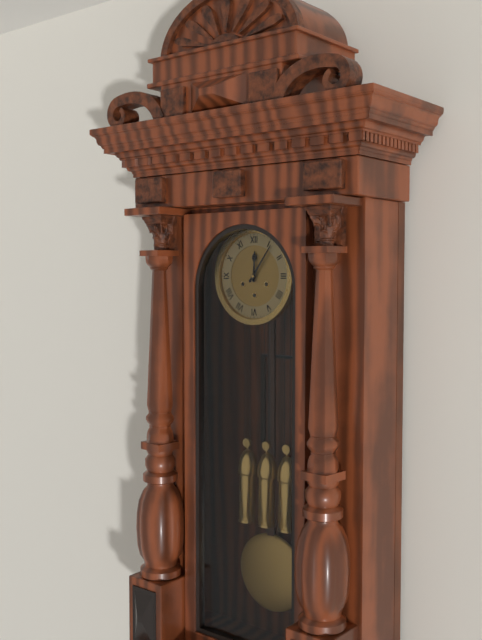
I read 12,06
